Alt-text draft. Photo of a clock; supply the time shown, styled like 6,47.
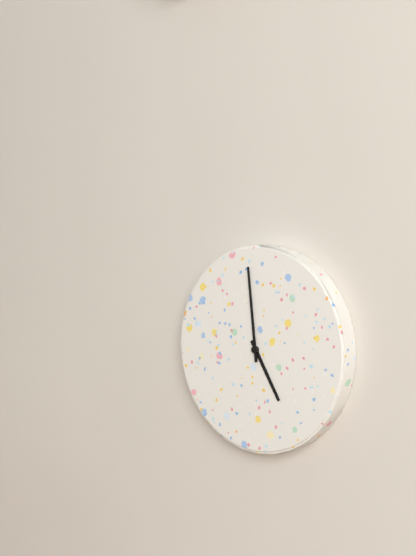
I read 4,59
